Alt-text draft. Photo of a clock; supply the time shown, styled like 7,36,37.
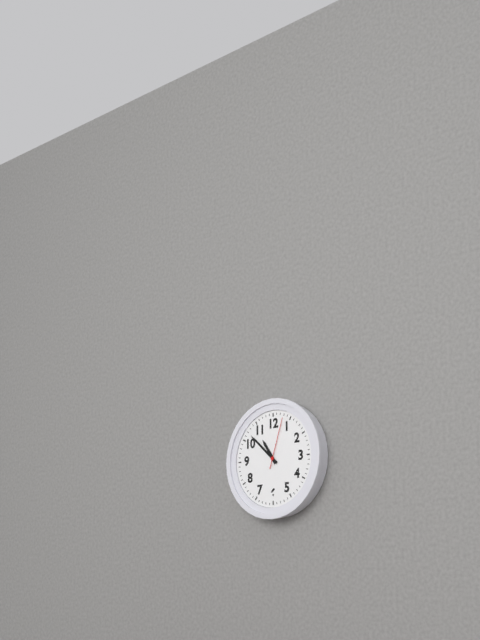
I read 10,52,03
